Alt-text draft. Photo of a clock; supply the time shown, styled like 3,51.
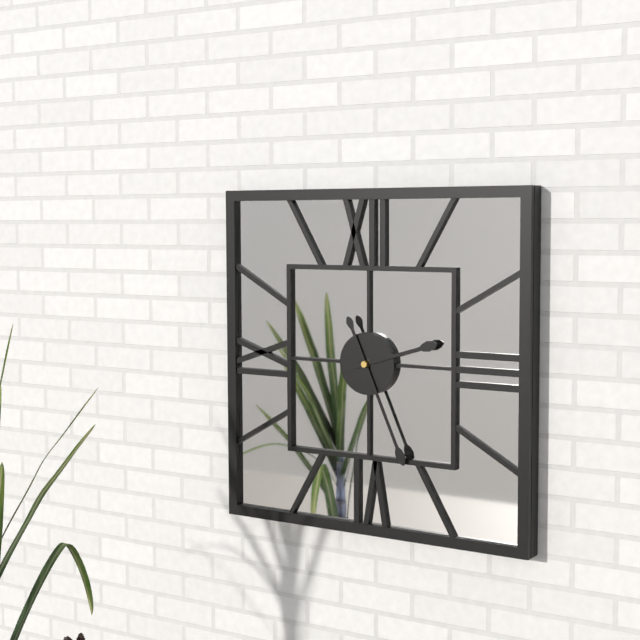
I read 2,26
